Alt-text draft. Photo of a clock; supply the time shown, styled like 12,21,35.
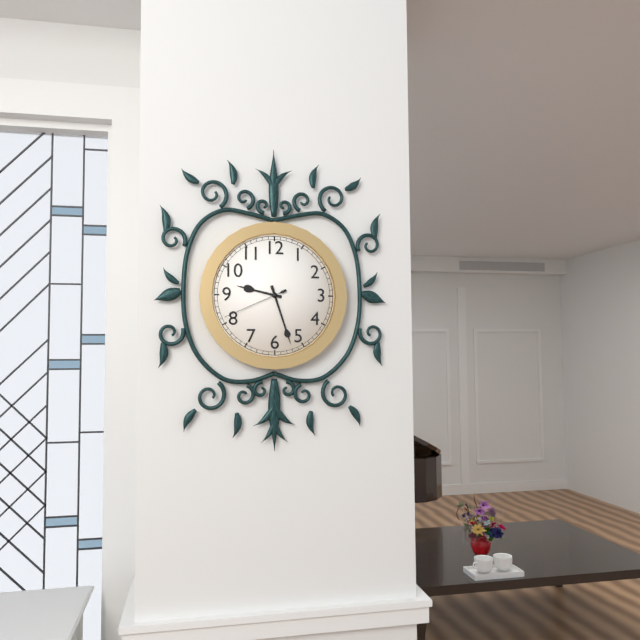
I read 9,27,41
